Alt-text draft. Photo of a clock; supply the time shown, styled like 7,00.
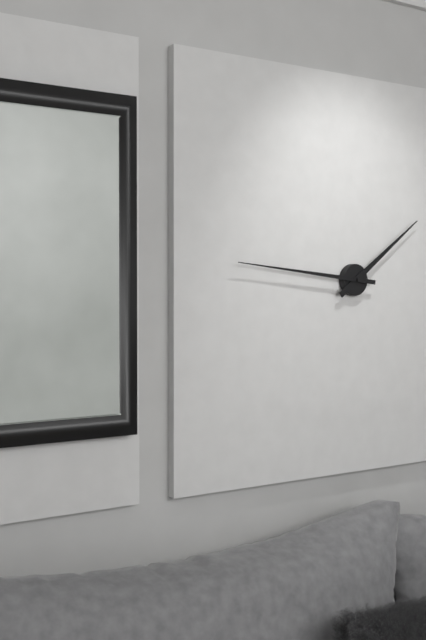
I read 1,46
